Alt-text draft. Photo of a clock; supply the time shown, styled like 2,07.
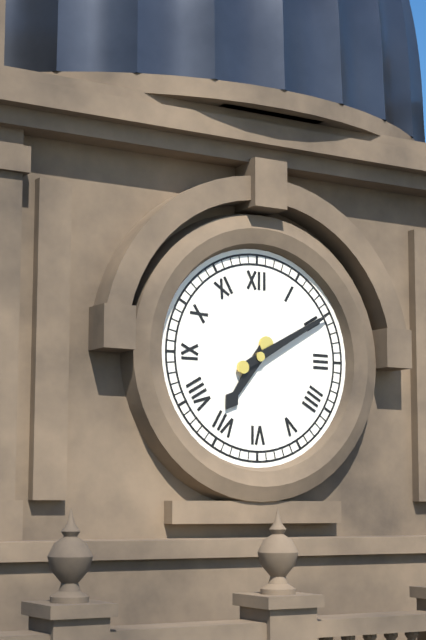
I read 7,10
